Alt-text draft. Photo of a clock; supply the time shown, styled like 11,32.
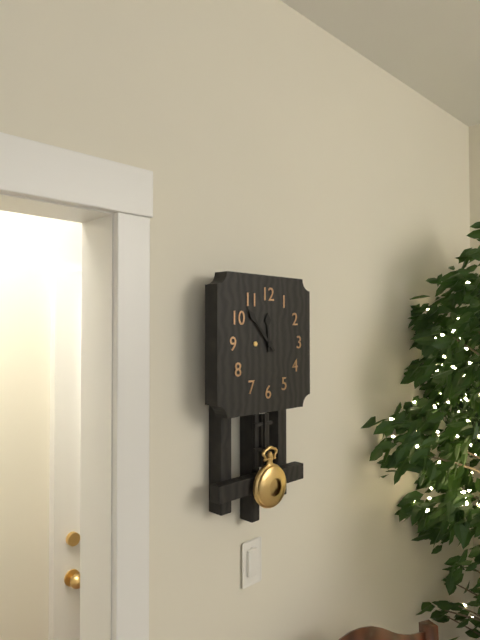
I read 11,53
